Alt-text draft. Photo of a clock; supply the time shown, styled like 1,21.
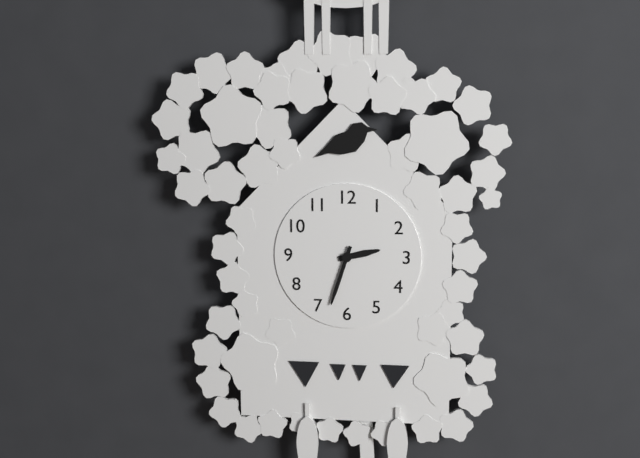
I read 2,33
